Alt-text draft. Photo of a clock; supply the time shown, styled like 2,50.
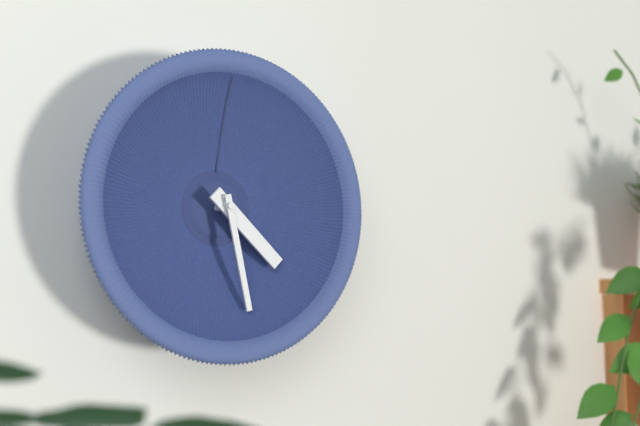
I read 4,28
